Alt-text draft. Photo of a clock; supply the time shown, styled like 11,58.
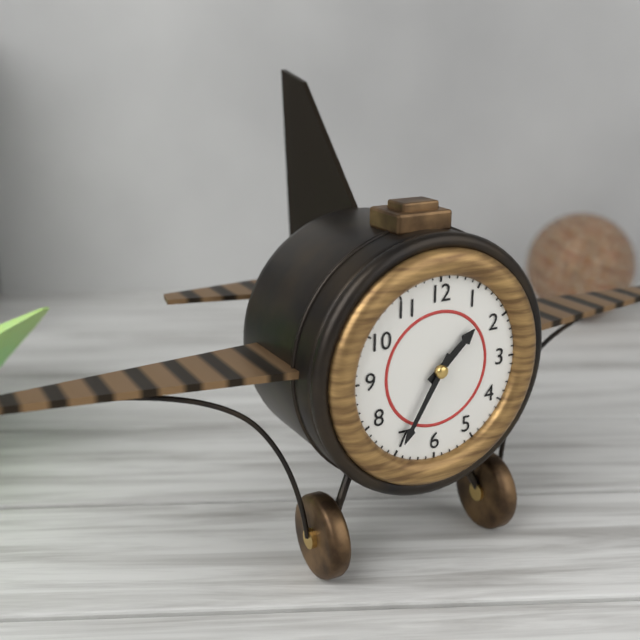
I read 1,35
